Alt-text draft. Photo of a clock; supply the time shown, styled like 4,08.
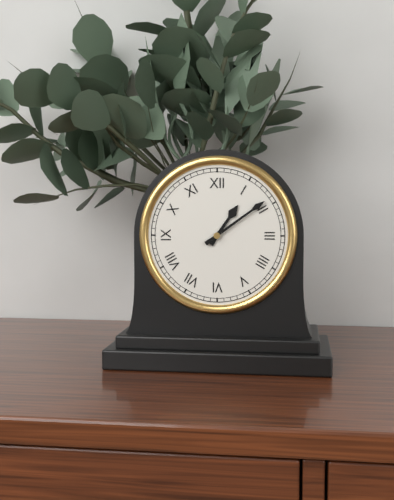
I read 1,09
